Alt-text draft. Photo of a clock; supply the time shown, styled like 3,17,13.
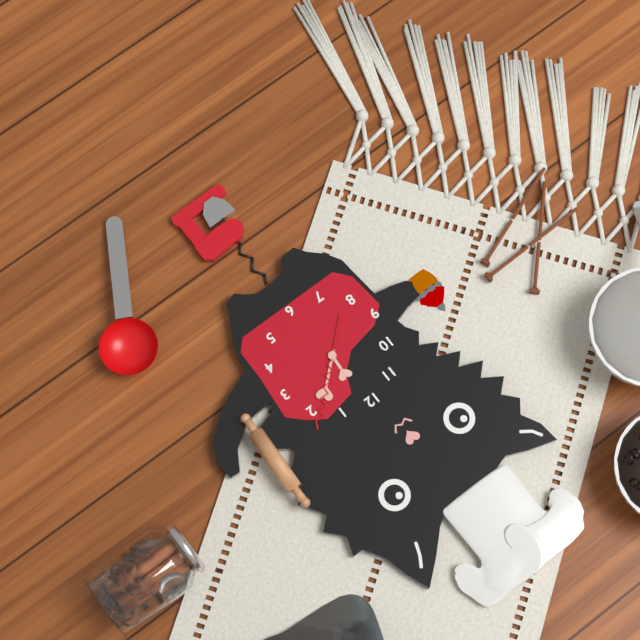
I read 12,08,08
